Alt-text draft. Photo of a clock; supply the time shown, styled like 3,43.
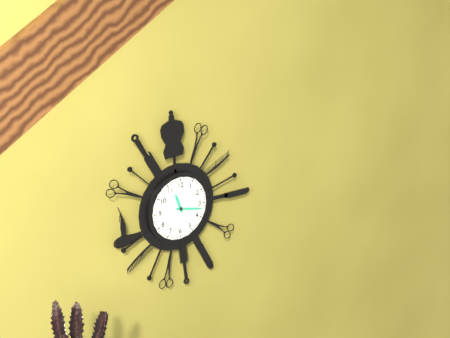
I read 11,17
